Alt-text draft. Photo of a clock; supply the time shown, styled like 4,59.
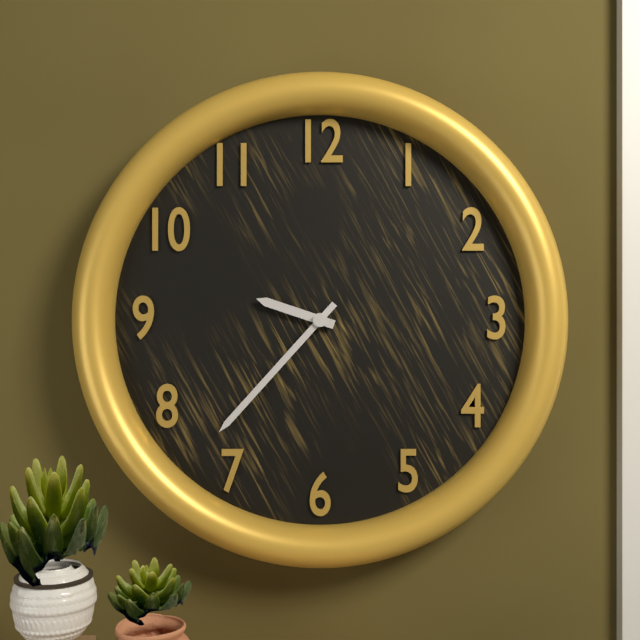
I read 9,37
